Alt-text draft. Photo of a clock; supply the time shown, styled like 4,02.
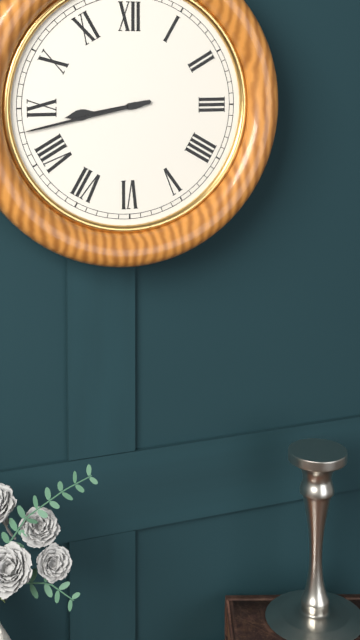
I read 8,43
